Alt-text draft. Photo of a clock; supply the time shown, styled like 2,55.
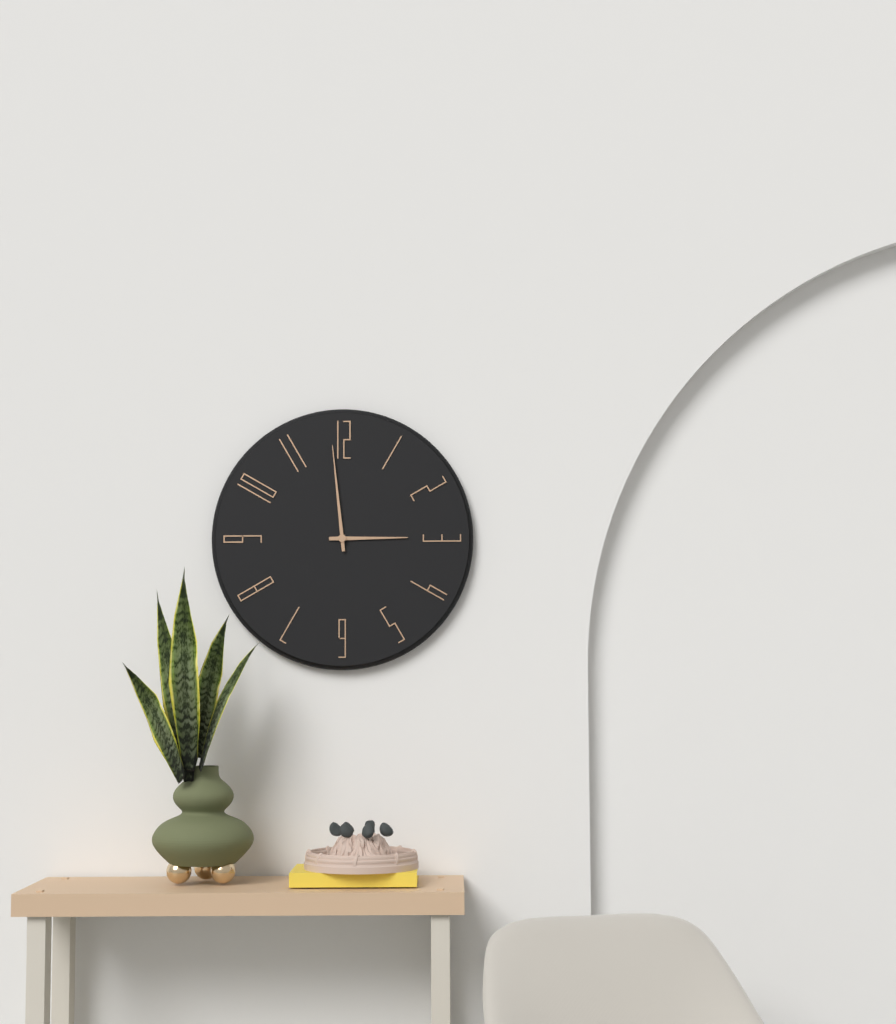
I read 2,59
